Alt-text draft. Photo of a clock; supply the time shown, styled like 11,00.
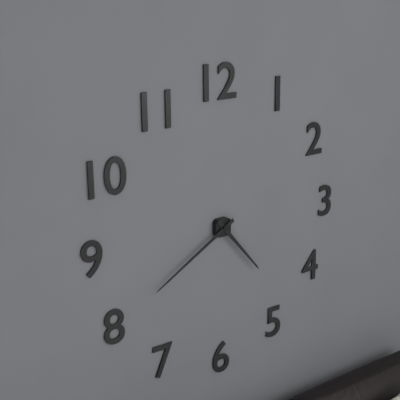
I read 4,40
